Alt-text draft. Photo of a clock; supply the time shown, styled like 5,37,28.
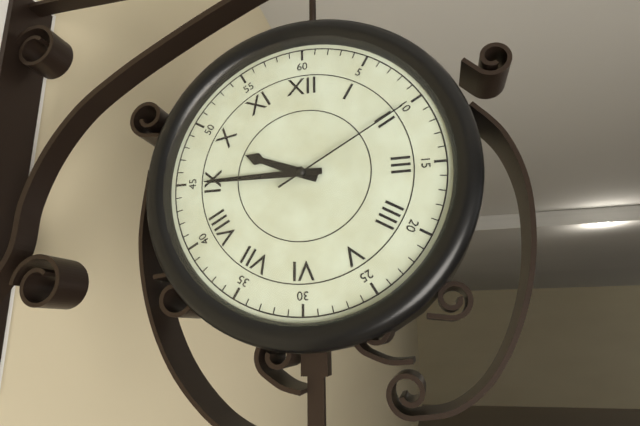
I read 9,45,10
